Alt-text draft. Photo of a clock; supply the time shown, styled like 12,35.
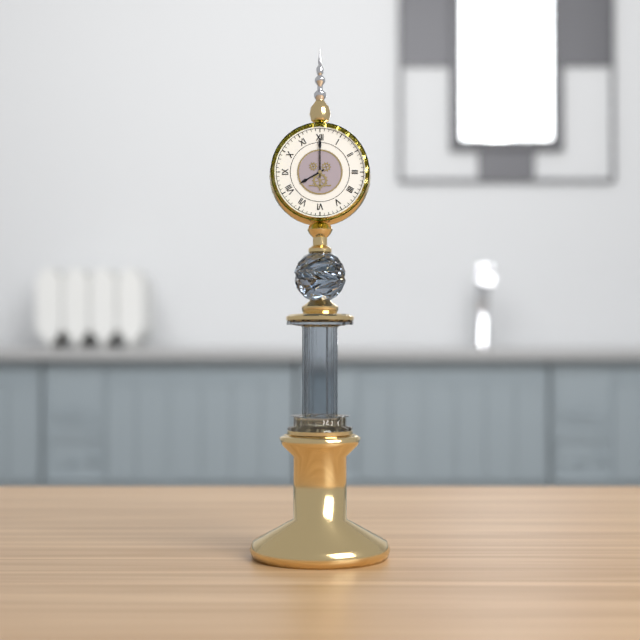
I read 8,00
